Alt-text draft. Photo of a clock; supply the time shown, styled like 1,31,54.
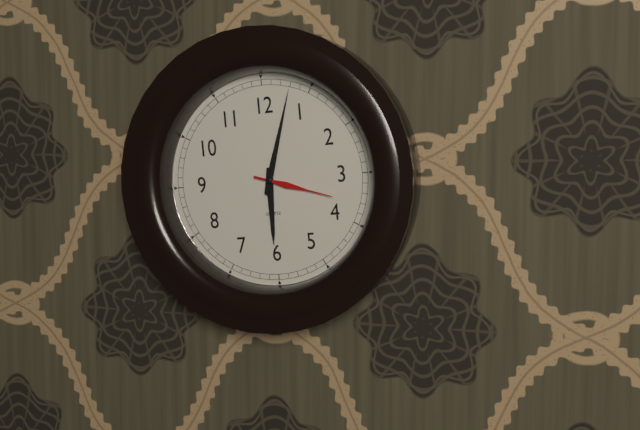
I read 6,03,18
